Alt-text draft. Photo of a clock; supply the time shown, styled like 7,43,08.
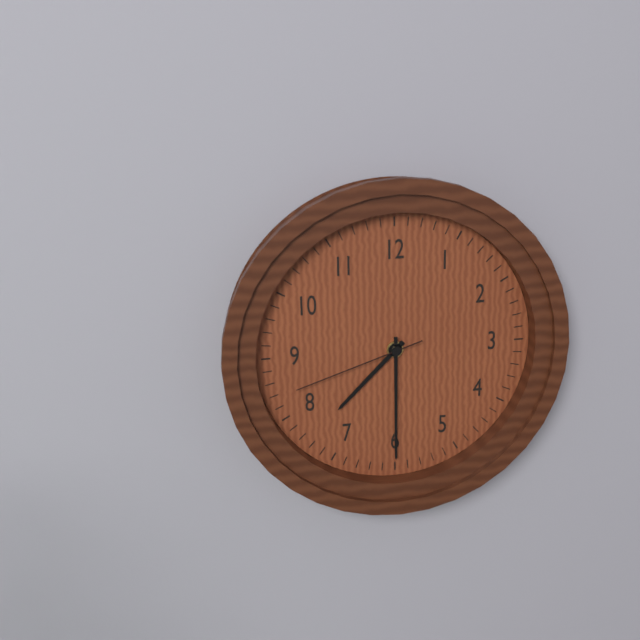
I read 7,30,42
